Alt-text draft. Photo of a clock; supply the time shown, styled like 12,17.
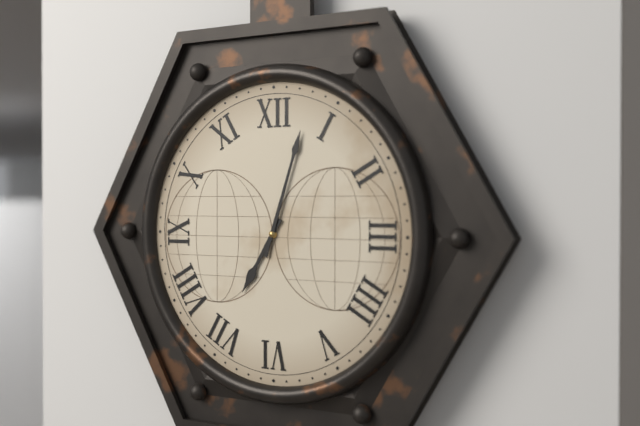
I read 7,03
